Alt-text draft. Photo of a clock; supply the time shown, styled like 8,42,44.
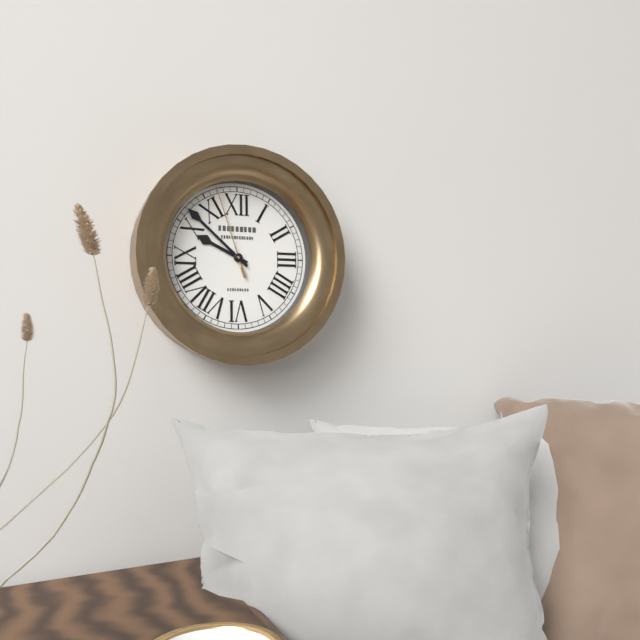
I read 9,52,57
